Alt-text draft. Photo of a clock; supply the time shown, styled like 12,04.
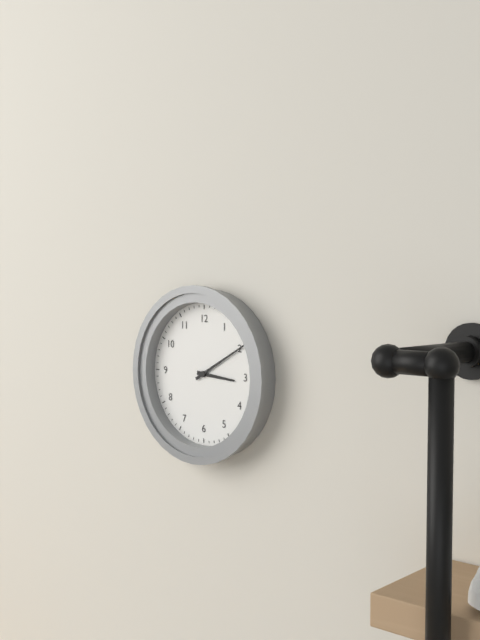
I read 3,10
